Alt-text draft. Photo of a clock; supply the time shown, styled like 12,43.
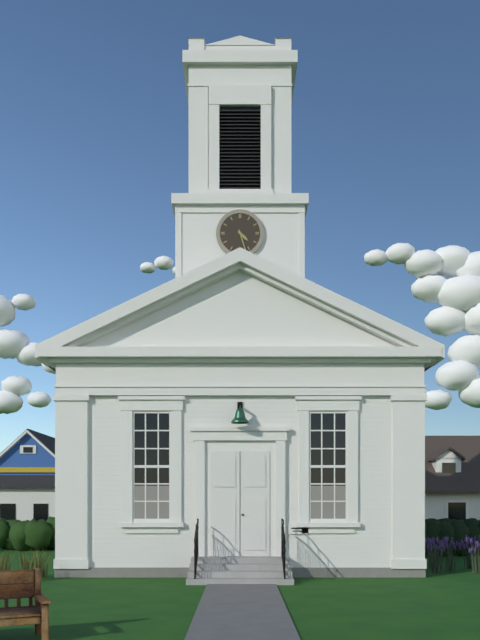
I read 4,27
